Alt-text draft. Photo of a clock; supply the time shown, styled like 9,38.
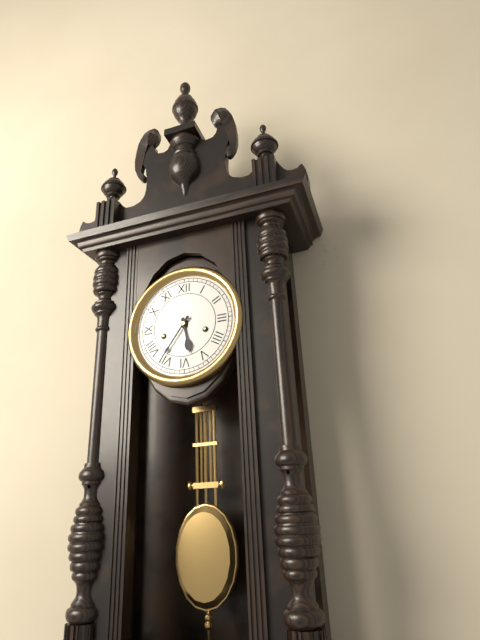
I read 5,36
